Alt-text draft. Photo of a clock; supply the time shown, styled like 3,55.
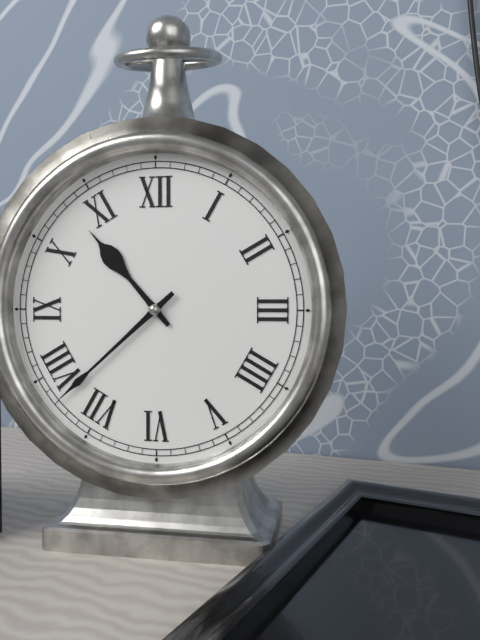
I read 10,38
